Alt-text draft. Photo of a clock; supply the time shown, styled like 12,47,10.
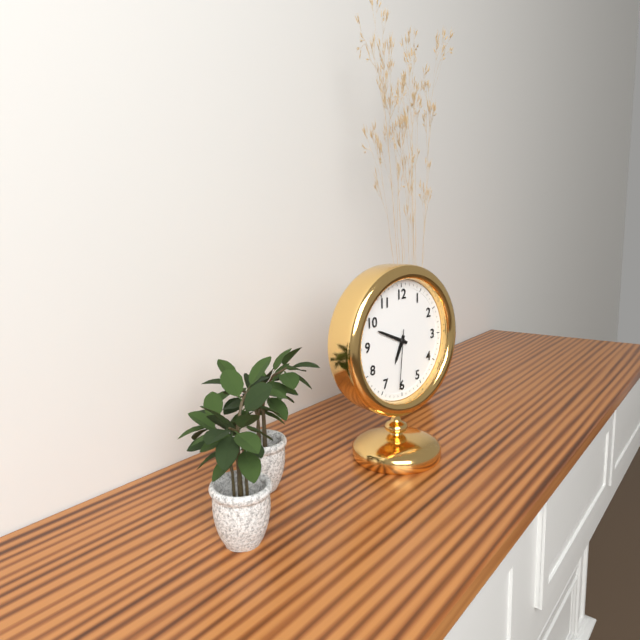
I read 6,49,31
